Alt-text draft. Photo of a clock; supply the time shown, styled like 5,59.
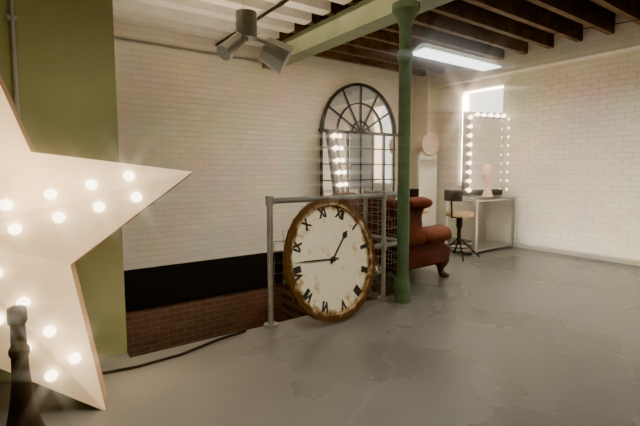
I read 12,42
